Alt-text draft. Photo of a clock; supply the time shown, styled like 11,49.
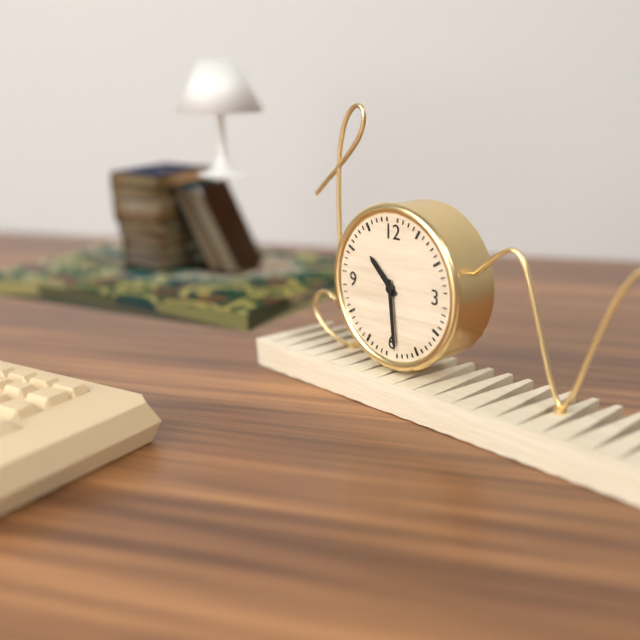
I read 10,29
